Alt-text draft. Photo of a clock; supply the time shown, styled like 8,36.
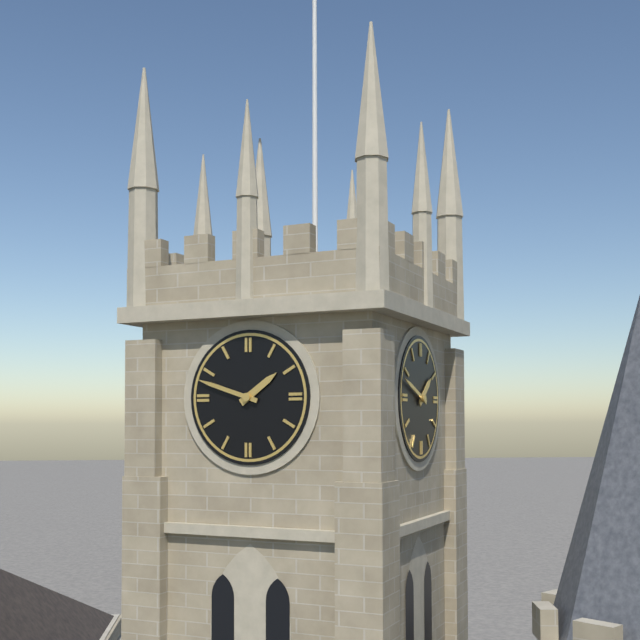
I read 1,48
